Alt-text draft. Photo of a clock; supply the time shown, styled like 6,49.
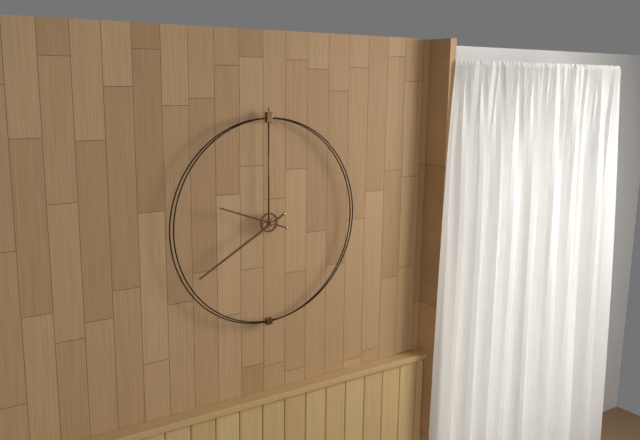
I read 9,40
